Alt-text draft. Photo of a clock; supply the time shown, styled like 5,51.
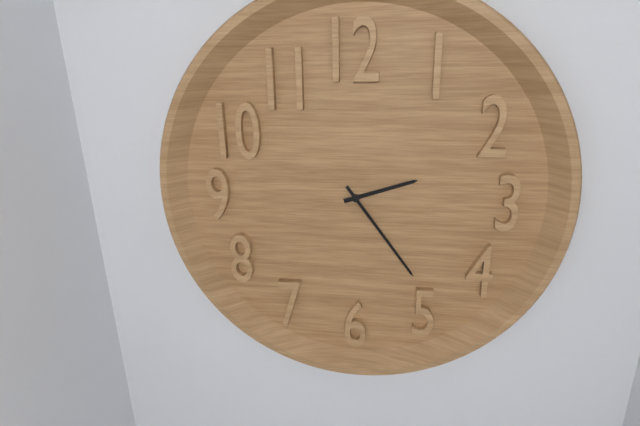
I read 2,24
